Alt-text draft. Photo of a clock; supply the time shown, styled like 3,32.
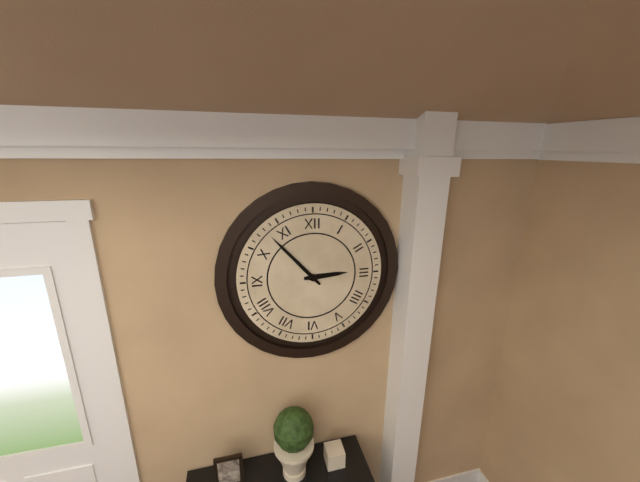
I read 2,53
